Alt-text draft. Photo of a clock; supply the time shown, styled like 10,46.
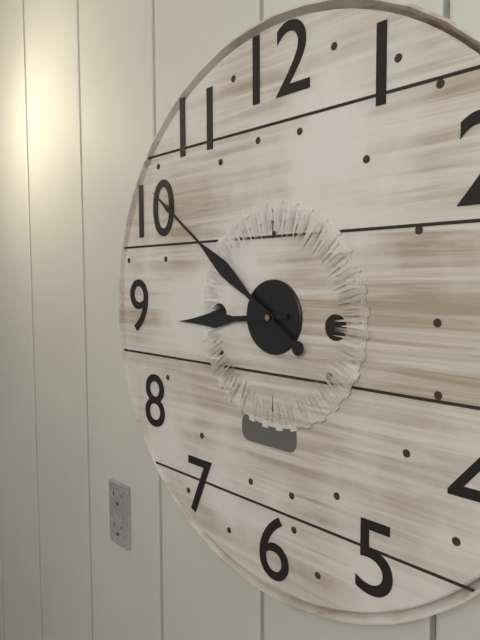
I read 8,51
